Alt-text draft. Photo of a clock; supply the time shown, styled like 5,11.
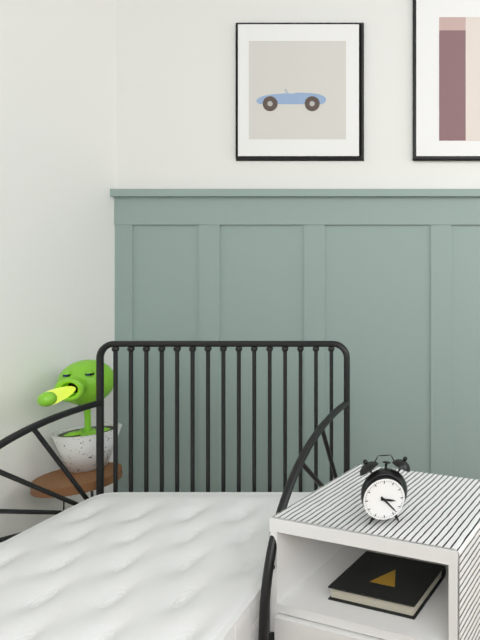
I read 3,23
